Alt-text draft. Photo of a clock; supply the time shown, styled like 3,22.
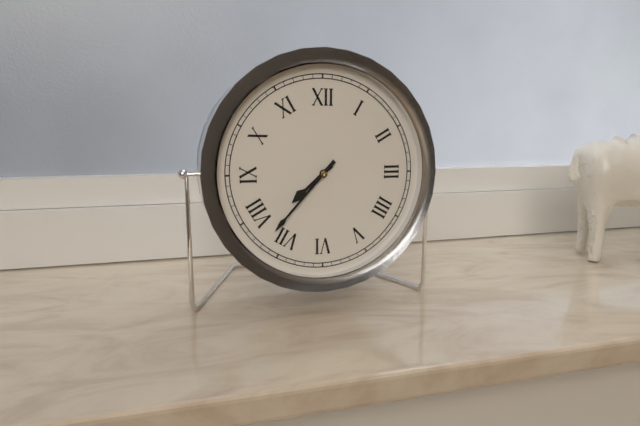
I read 7,37
